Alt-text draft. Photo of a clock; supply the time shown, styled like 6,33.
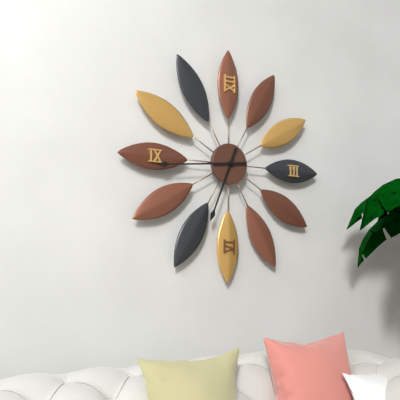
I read 6,44
